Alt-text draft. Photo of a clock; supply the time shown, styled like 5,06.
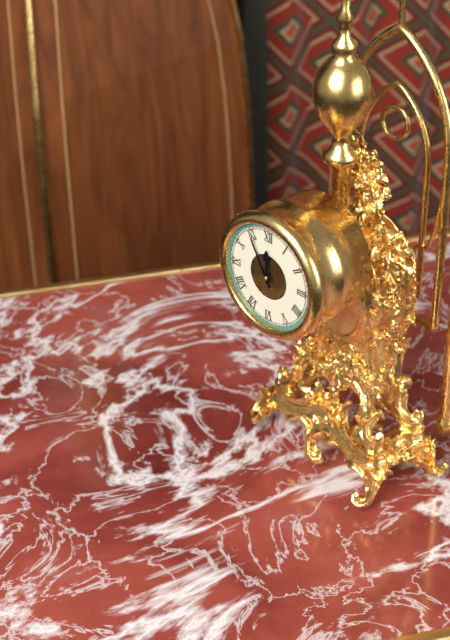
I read 11,55
